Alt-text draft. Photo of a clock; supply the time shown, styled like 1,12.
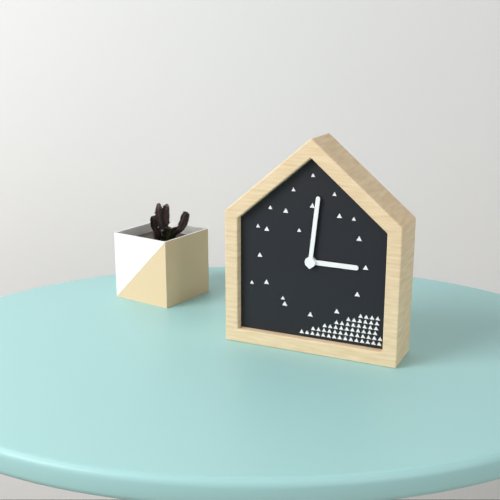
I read 3,01
